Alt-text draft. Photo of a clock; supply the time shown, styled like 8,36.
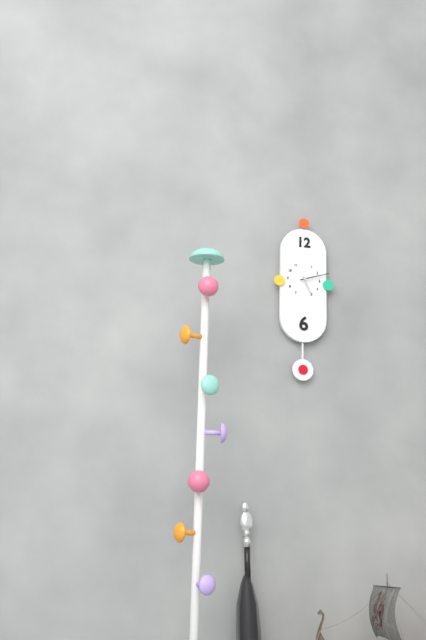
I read 5,12
